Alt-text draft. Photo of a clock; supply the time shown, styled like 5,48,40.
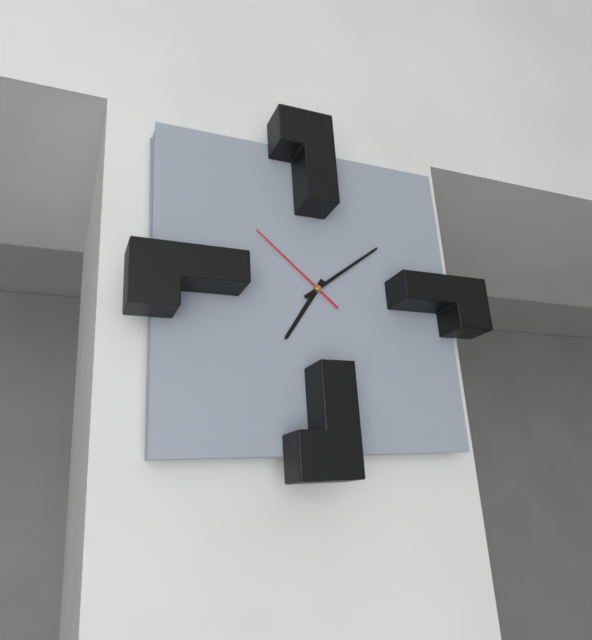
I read 7,09,52
